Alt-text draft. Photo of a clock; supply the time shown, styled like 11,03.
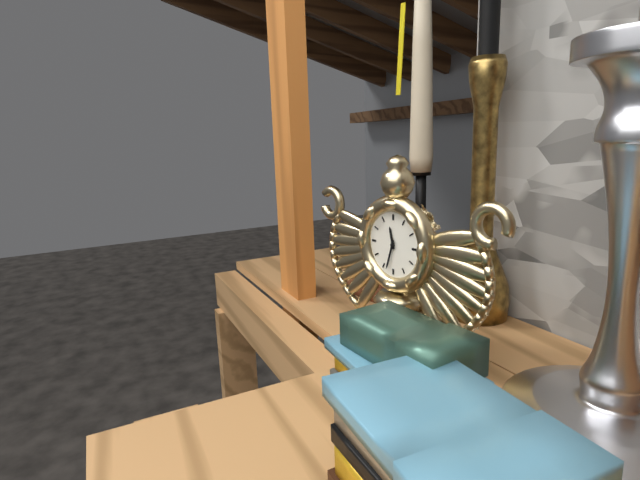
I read 11,33
